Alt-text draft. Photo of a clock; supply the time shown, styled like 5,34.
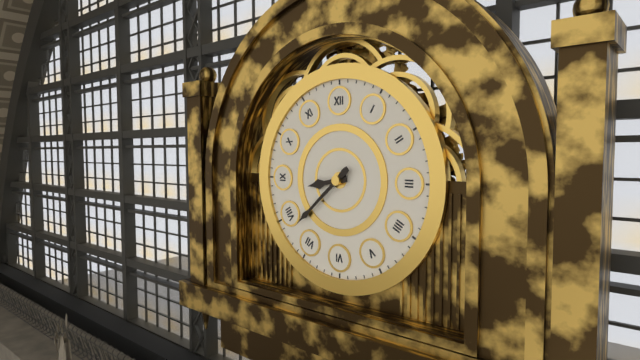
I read 8,38
